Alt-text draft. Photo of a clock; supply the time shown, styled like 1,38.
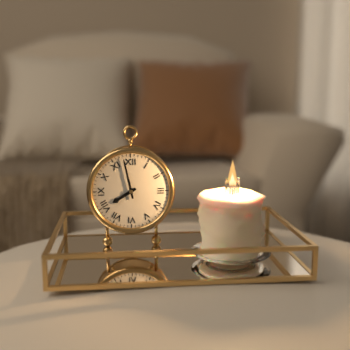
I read 7,58
